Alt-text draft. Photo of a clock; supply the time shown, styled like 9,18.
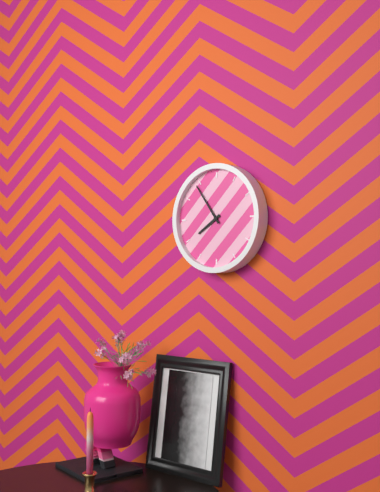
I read 7,54
